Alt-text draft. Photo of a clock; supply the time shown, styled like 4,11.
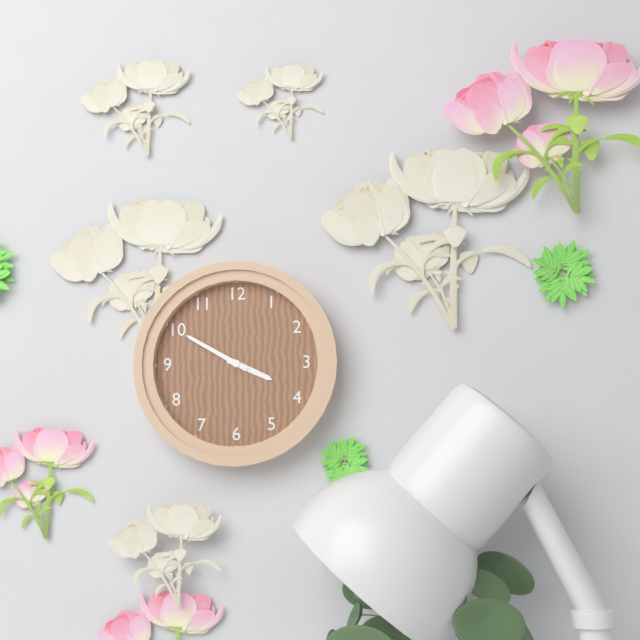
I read 3,50
